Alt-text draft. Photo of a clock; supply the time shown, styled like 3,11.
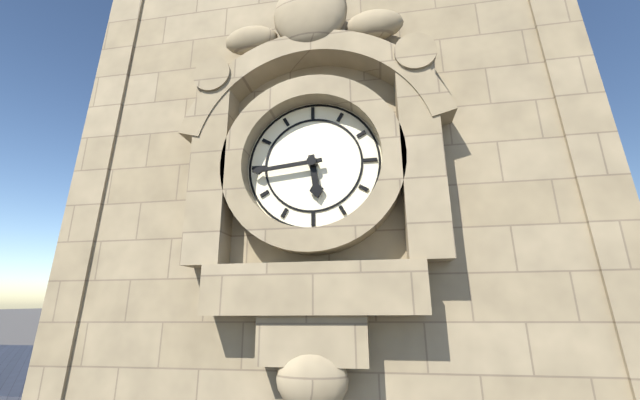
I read 5,44
